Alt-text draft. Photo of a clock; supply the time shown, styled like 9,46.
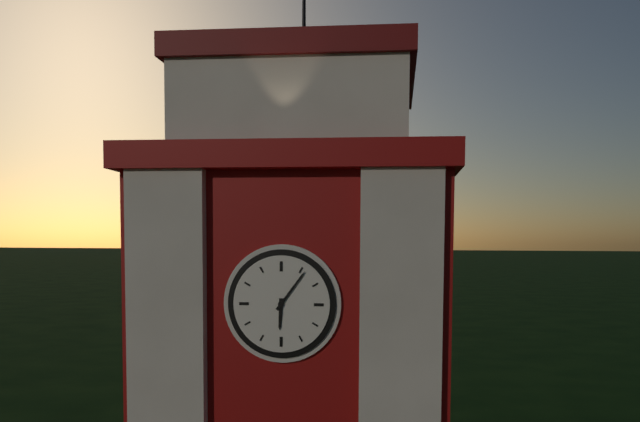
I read 6,06
